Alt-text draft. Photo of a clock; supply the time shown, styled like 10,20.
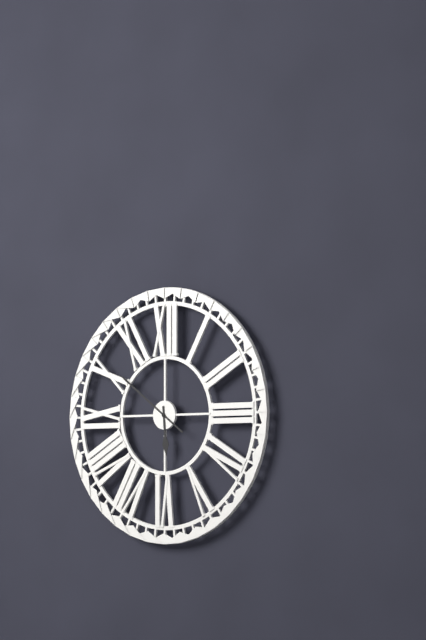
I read 5,51
